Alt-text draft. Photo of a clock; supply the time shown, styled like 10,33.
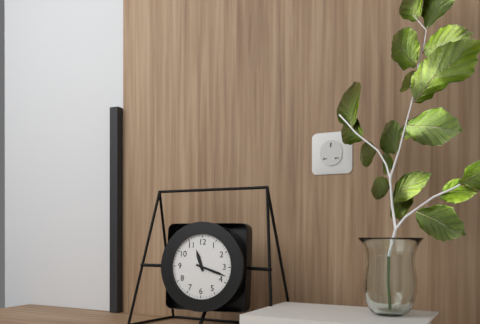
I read 11,18
